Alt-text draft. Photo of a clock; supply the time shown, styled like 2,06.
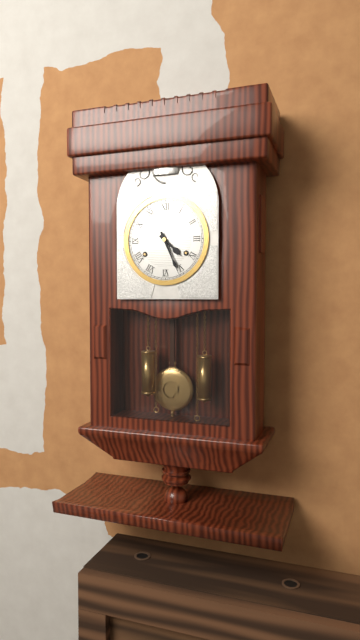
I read 4,26
